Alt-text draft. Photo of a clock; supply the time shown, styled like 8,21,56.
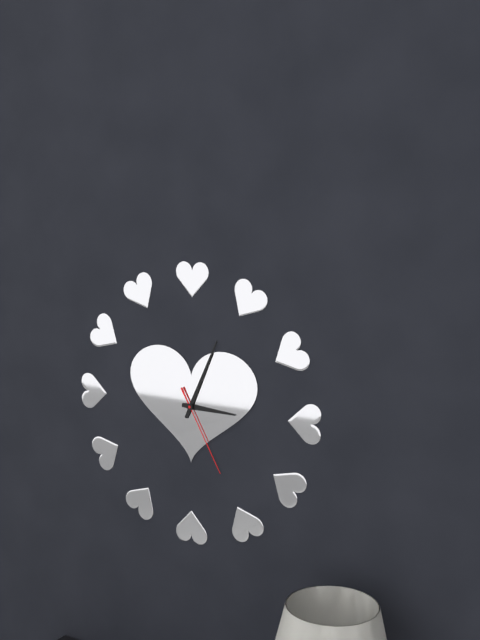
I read 3,04,25
